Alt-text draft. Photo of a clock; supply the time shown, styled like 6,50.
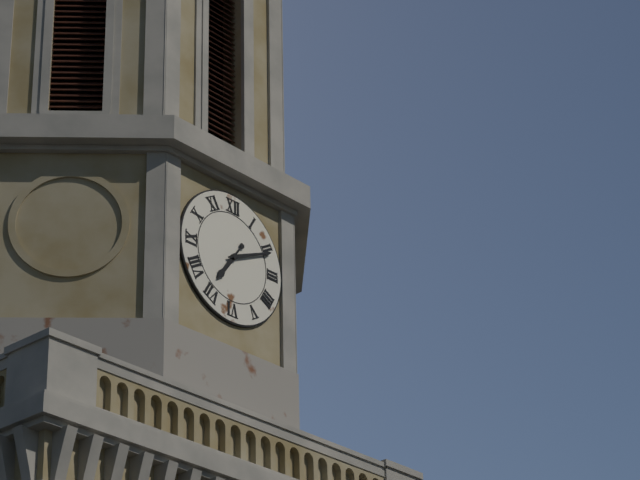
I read 7,11
